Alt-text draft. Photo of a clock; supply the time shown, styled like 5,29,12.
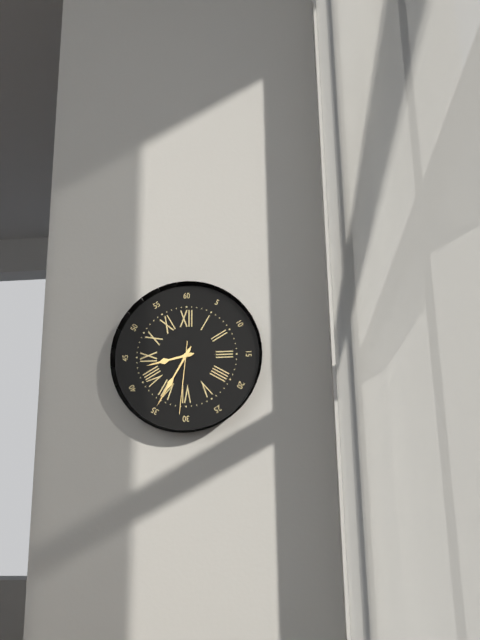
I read 8,35,31
